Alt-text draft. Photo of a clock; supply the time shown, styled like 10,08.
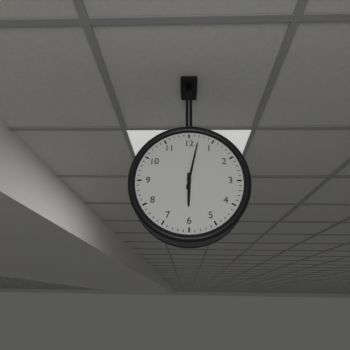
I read 6,02
